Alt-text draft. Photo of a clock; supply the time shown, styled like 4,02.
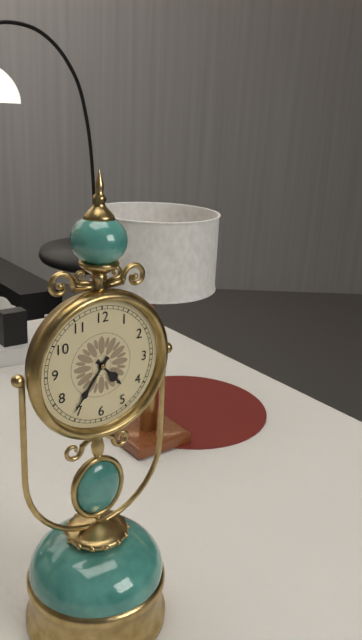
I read 4,36
